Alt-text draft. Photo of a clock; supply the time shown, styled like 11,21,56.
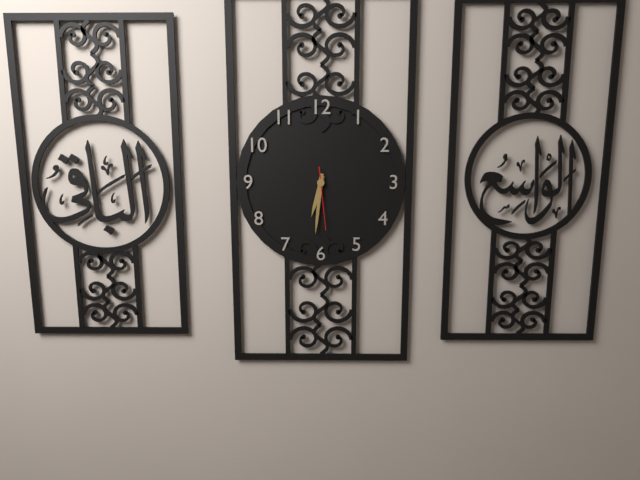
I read 6,31,29
